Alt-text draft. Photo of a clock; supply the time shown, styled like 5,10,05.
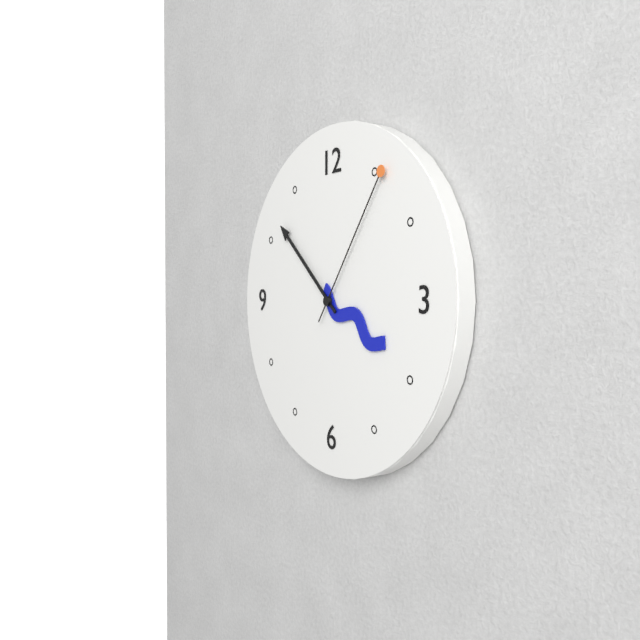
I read 3,52,06
